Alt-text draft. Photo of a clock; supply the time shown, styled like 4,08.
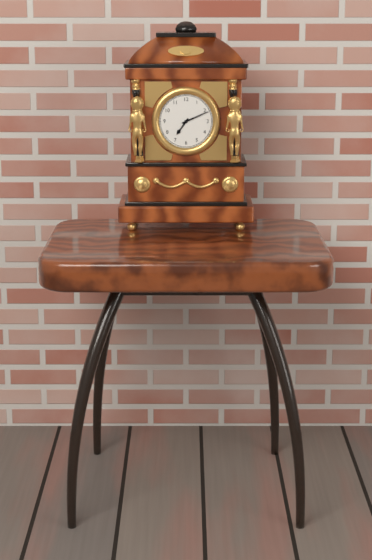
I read 7,11
